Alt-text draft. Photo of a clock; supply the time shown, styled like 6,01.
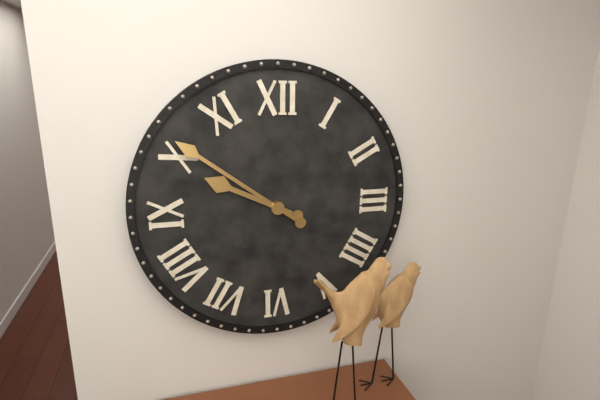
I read 9,51
